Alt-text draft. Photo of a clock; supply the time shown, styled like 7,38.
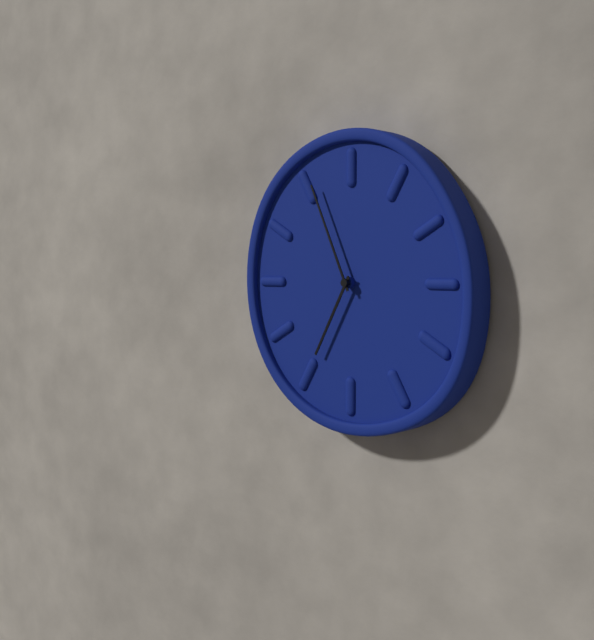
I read 6,56
